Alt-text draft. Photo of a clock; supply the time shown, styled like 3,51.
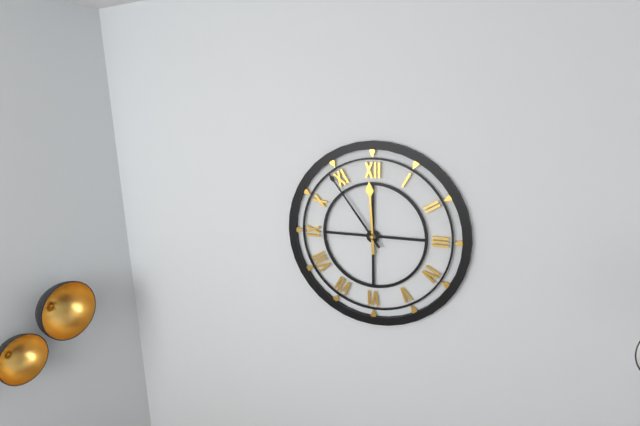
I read 11,54
